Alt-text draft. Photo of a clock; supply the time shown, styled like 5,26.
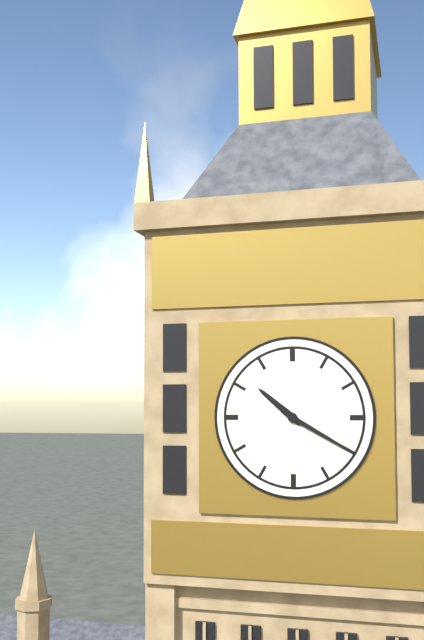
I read 10,20
